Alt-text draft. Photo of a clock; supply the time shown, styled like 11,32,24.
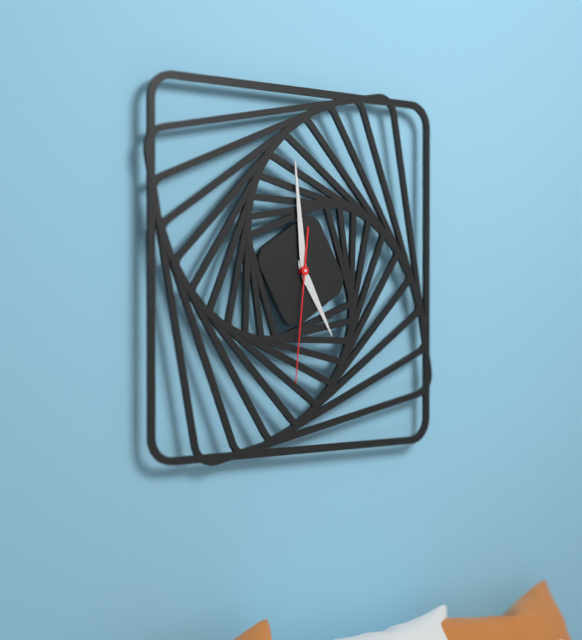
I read 4,59,31
